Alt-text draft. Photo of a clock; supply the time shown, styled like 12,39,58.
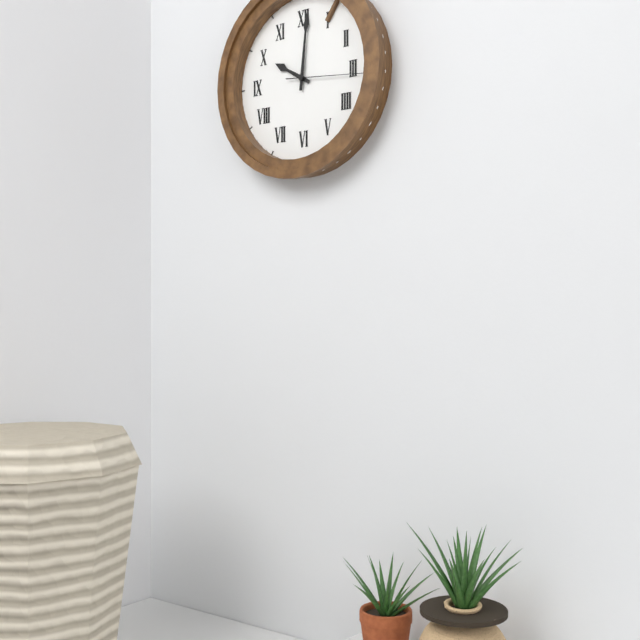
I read 10,01,16
